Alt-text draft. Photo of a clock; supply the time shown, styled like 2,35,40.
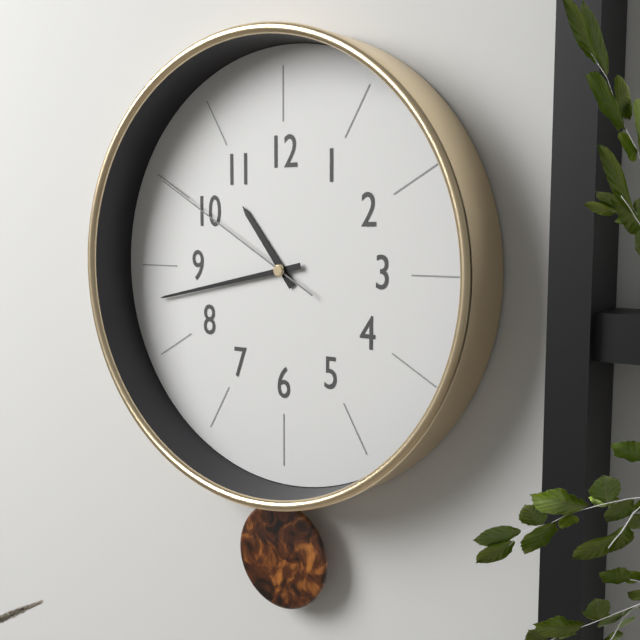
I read 10,43,50
